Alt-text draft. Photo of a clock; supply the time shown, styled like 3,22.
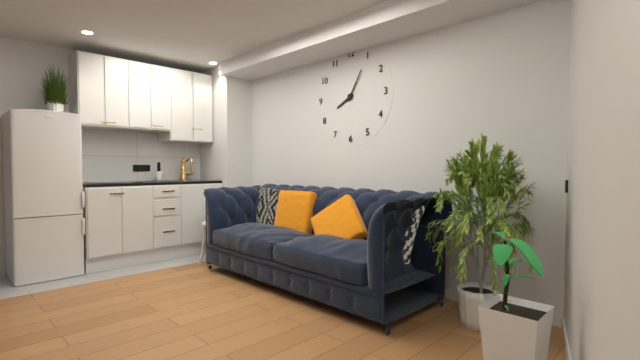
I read 8,05
